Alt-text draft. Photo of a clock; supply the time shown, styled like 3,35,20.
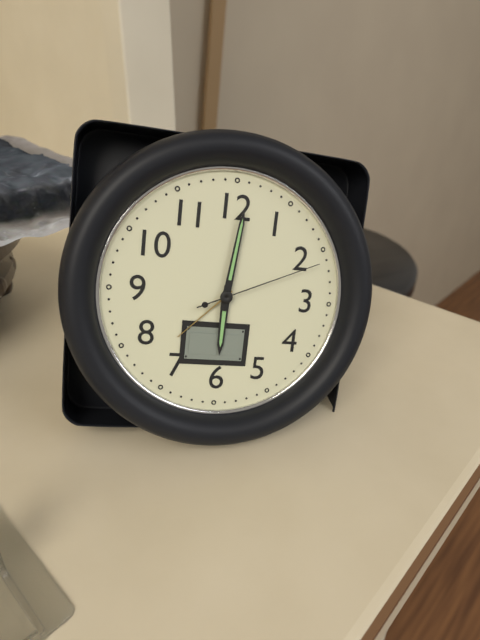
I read 6,01,11
